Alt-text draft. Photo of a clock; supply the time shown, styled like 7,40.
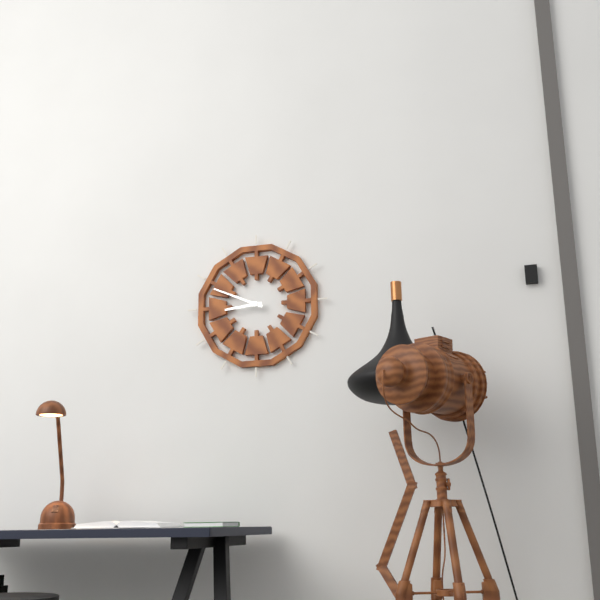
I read 8,49
